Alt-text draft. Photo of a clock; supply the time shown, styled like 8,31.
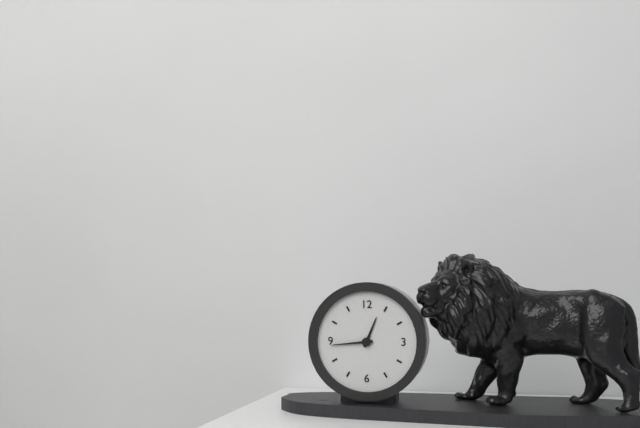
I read 12,44
